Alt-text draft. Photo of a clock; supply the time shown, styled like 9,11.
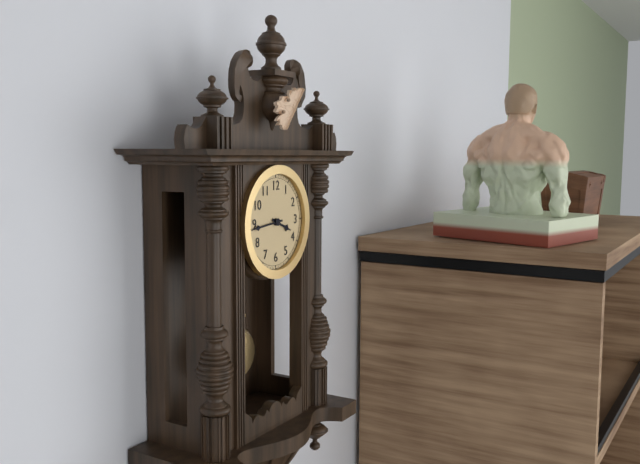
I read 3,44
